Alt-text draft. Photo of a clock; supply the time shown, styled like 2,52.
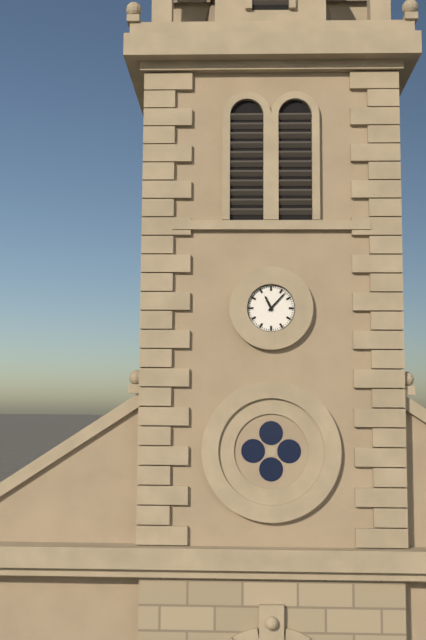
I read 11,07
